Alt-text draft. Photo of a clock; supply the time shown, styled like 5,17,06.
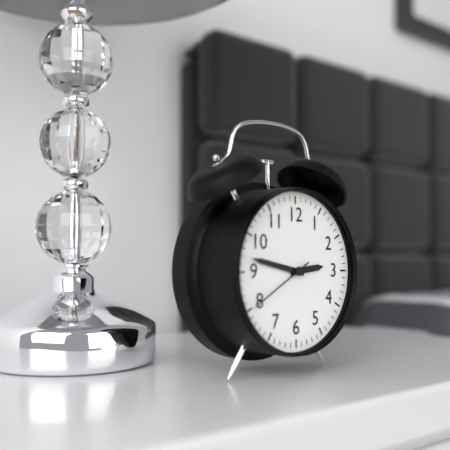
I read 2,47,40
